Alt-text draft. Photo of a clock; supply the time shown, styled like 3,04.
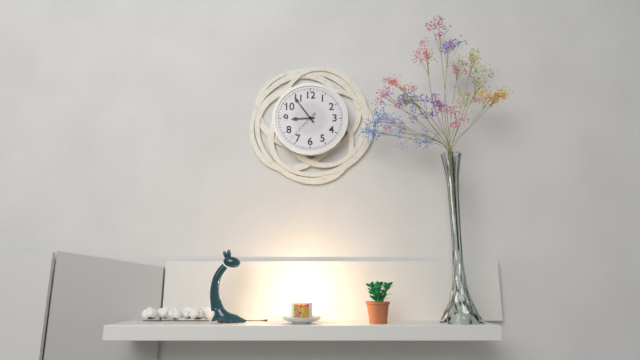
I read 8,54
